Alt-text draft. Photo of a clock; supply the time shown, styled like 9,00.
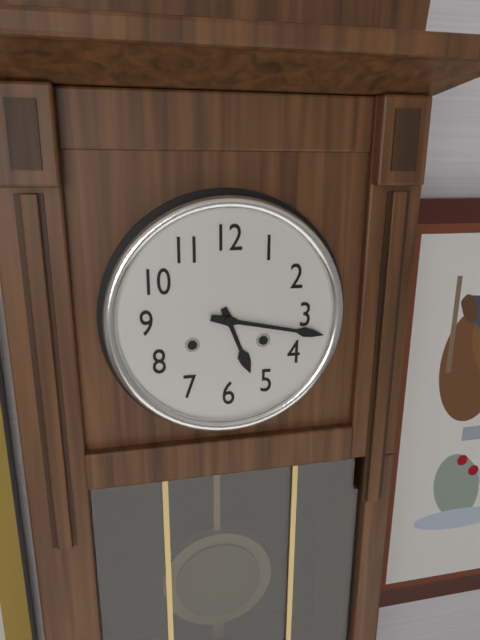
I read 5,17
